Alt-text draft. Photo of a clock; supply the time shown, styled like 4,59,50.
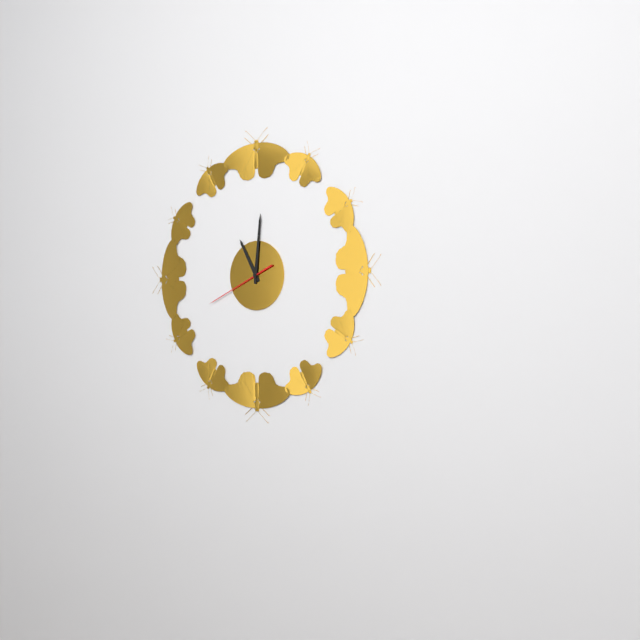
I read 11,01,41
